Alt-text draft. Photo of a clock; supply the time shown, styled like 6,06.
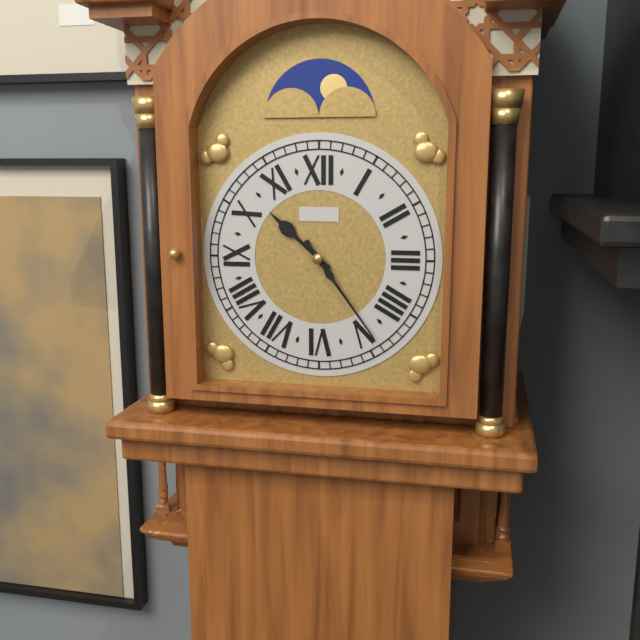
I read 10,24
